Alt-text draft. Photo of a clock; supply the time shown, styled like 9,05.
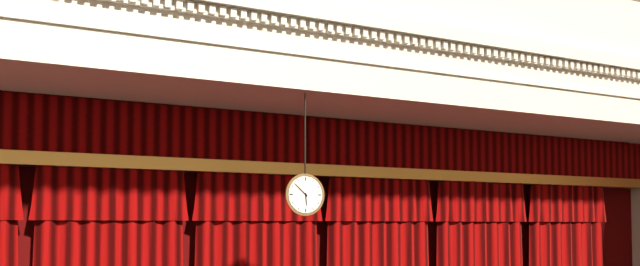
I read 5,52
